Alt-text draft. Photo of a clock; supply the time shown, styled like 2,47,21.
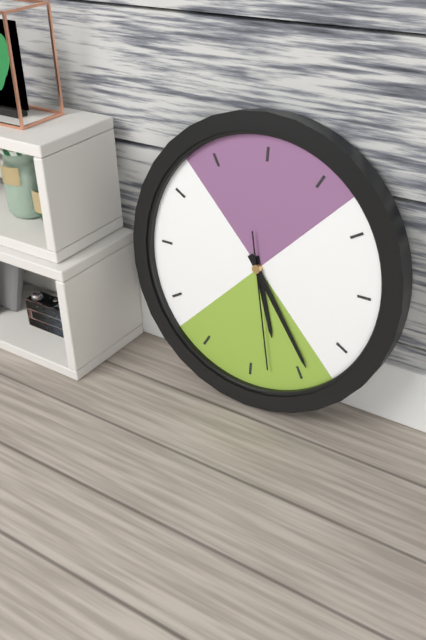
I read 5,24,28
